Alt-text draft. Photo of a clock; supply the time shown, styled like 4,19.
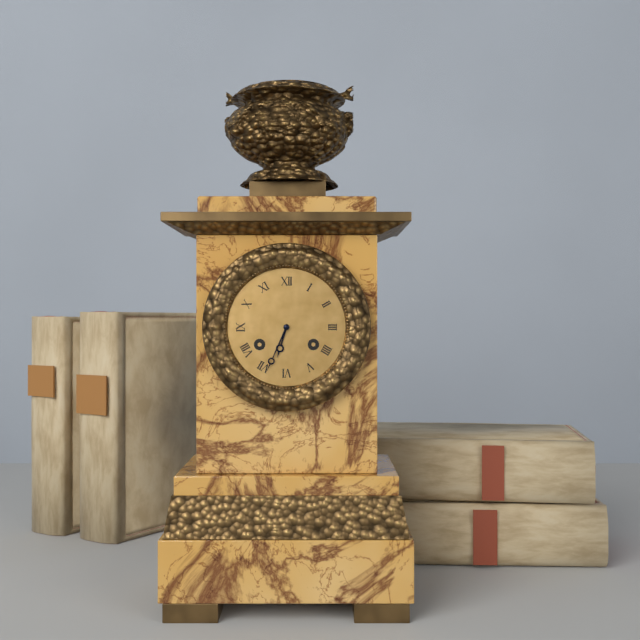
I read 6,34
